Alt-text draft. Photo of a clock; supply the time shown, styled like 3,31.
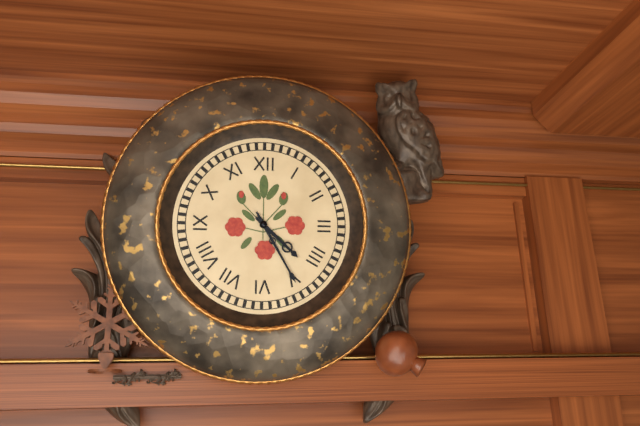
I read 4,25
